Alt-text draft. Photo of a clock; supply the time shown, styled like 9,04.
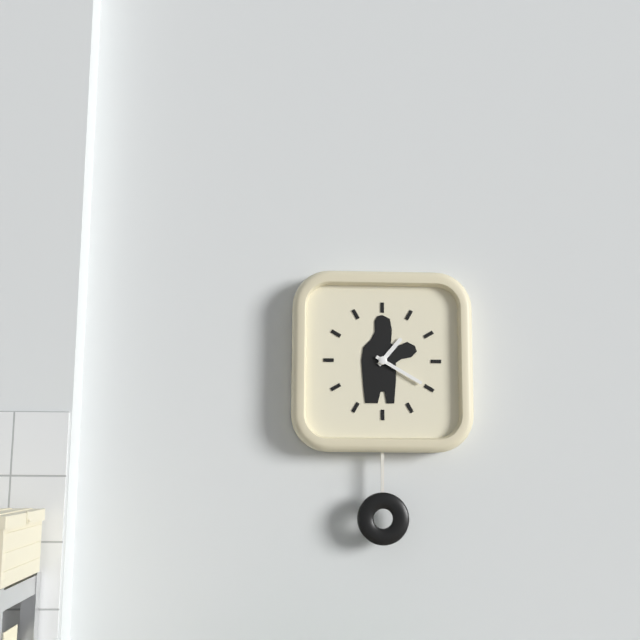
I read 1,20
